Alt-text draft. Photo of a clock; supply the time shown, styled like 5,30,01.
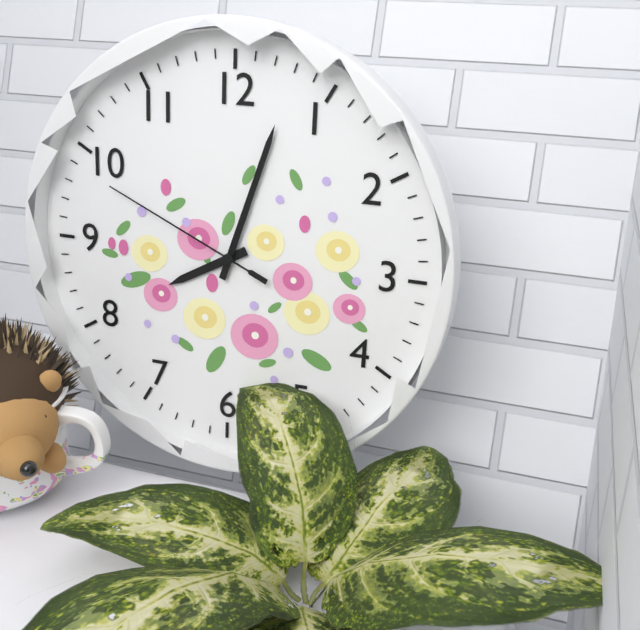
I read 8,03,49
